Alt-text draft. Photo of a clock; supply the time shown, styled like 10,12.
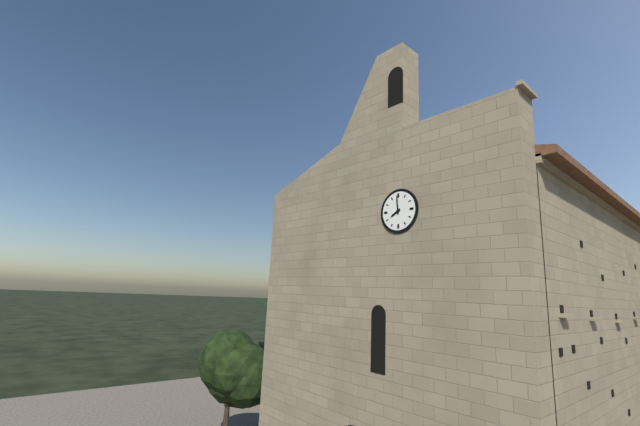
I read 7,59
